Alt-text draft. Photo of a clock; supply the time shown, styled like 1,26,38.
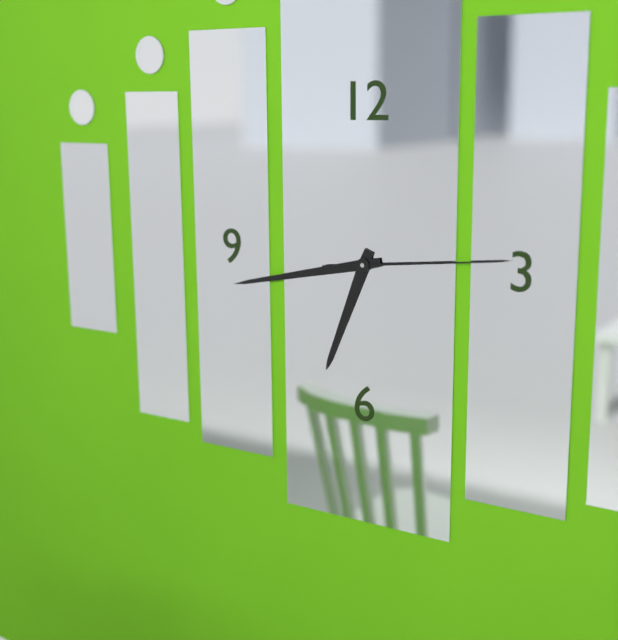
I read 6,43,14
